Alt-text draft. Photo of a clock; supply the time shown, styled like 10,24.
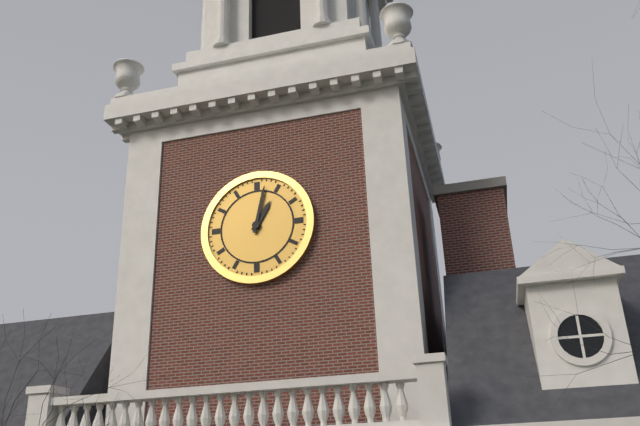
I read 1,02
